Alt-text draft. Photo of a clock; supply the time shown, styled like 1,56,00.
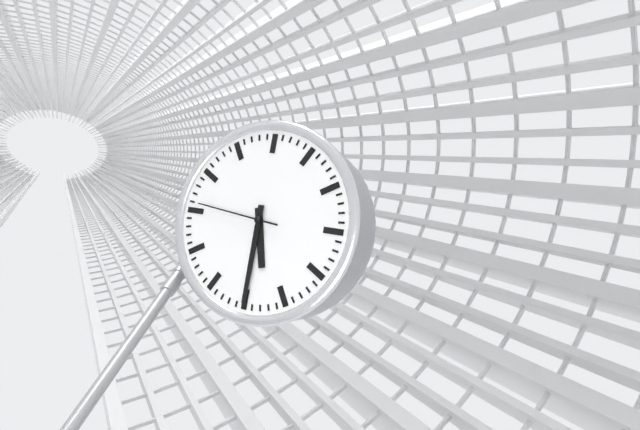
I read 5,30,46
